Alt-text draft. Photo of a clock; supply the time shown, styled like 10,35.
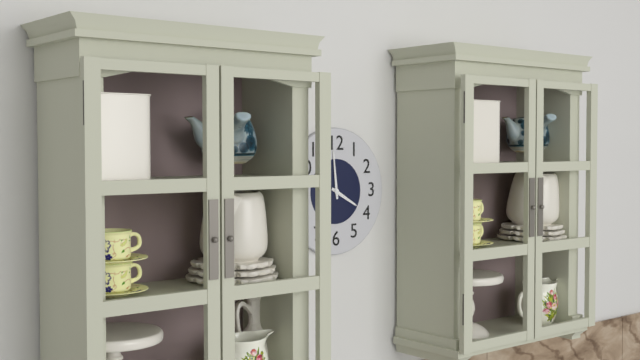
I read 3,59
